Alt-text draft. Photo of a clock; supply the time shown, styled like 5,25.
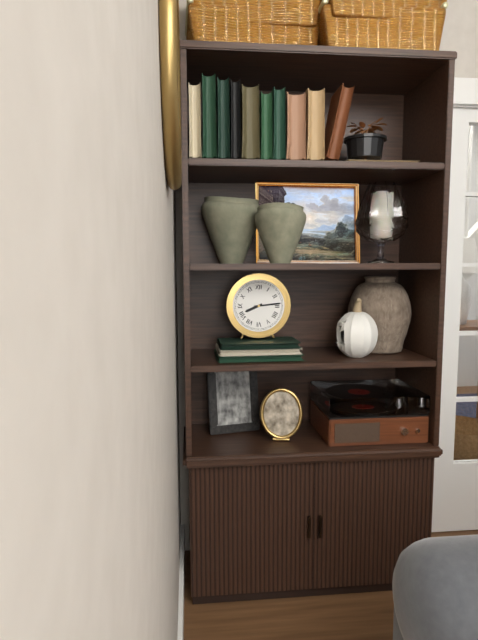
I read 8,14
